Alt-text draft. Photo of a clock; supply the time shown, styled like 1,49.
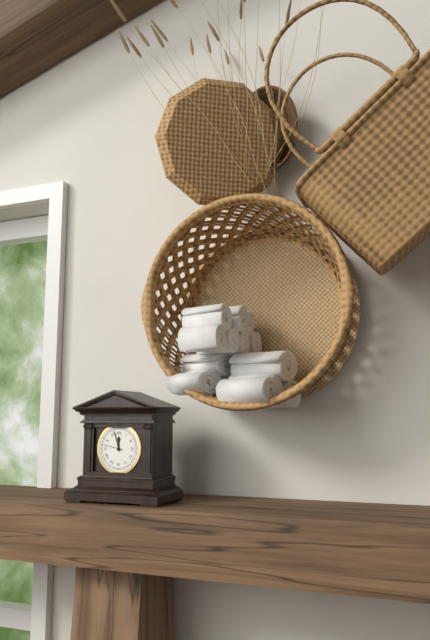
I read 11,57
